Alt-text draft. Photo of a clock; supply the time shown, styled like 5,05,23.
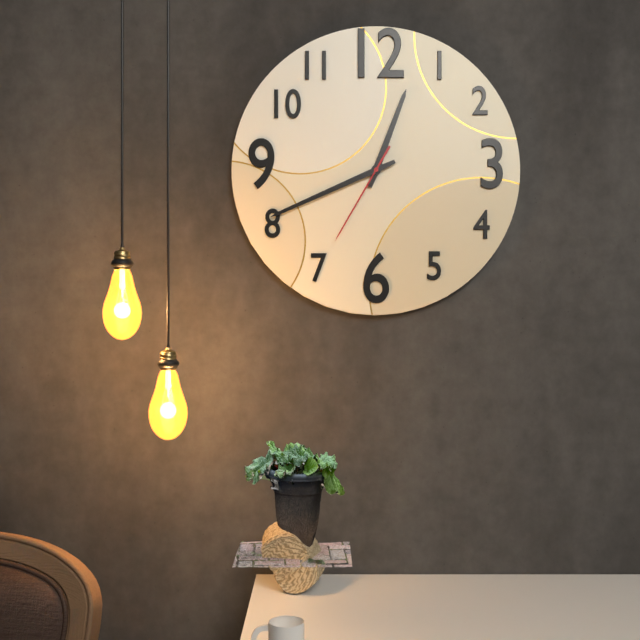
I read 12,41,35
